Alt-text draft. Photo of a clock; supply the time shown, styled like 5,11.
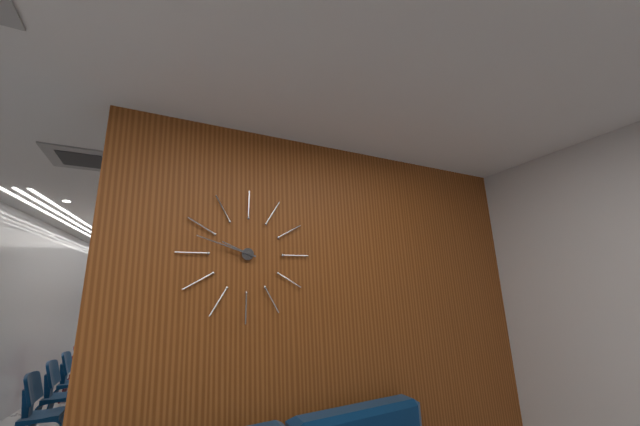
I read 9,48
